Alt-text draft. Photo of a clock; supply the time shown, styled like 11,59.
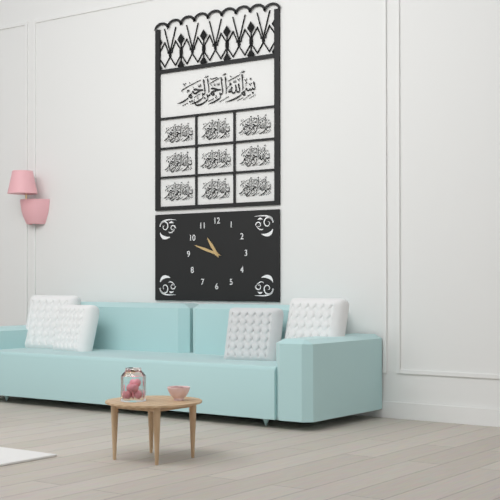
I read 10,48
